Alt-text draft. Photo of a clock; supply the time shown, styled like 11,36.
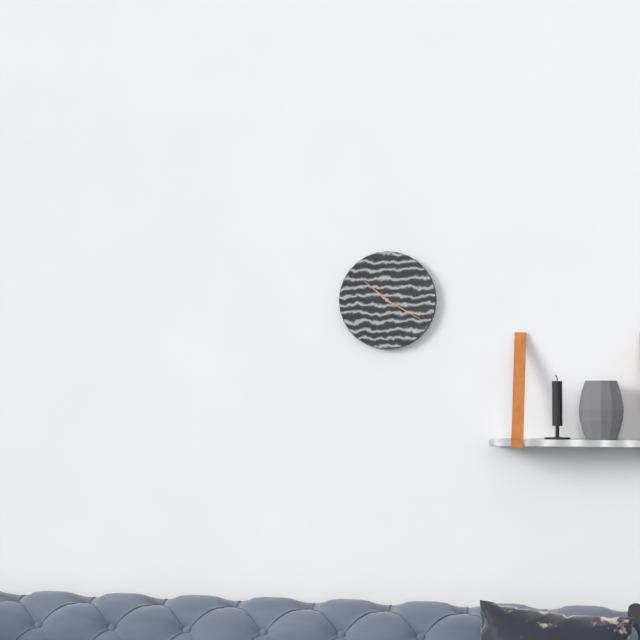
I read 10,20
